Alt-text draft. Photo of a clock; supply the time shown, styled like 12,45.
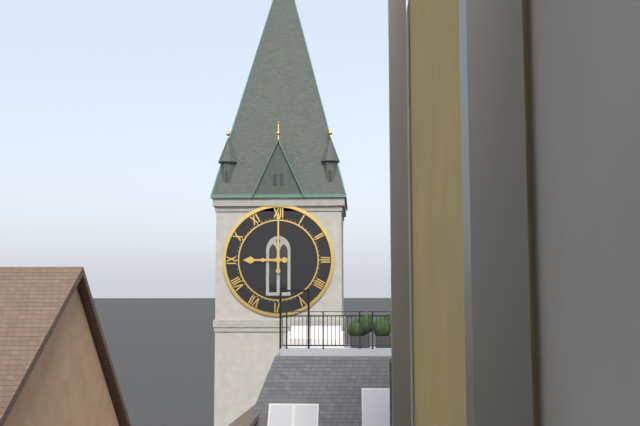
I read 9,00
